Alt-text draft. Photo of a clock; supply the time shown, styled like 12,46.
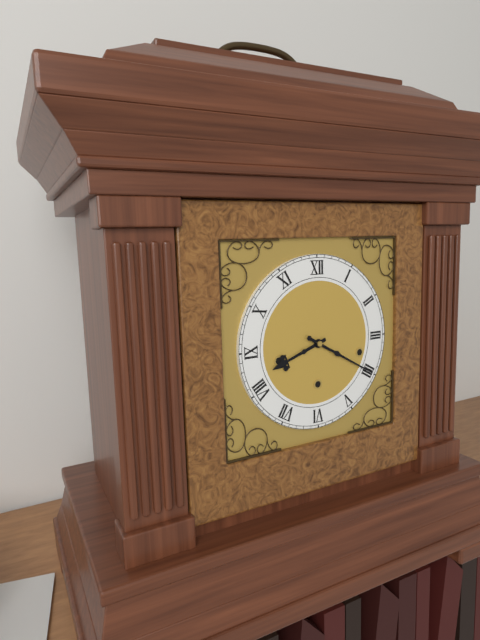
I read 8,20
